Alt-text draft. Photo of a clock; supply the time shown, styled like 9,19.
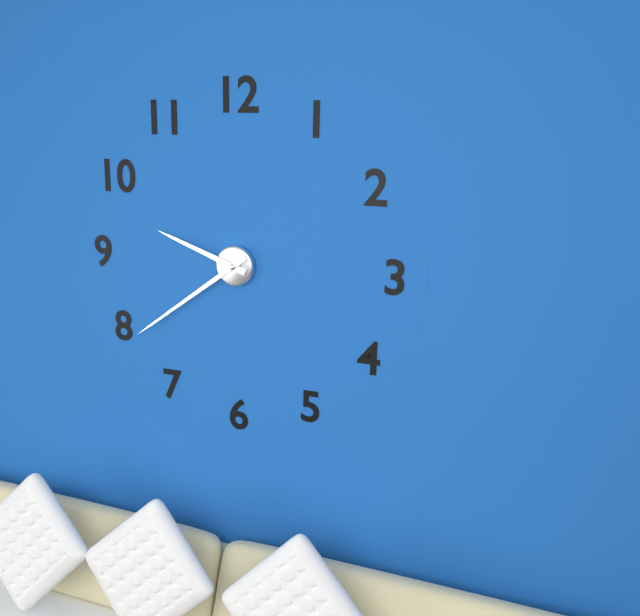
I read 9,39
